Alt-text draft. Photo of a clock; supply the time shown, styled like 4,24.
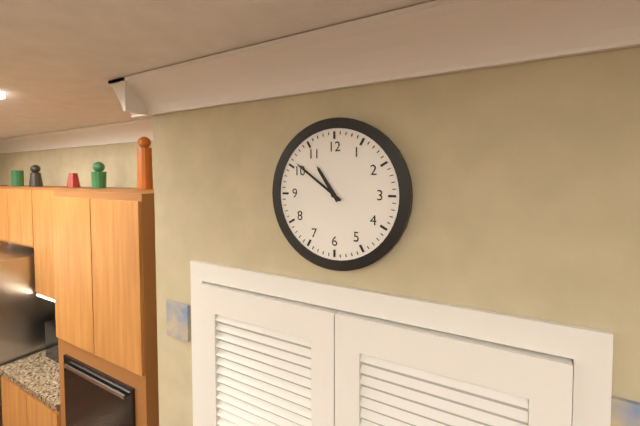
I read 10,51
